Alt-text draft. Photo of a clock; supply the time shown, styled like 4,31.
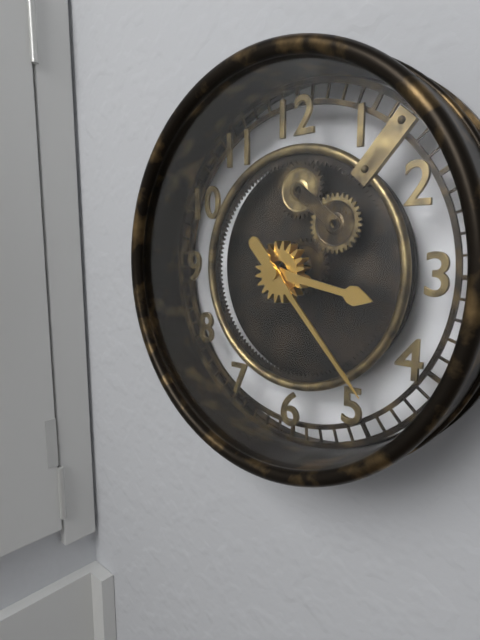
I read 3,23
